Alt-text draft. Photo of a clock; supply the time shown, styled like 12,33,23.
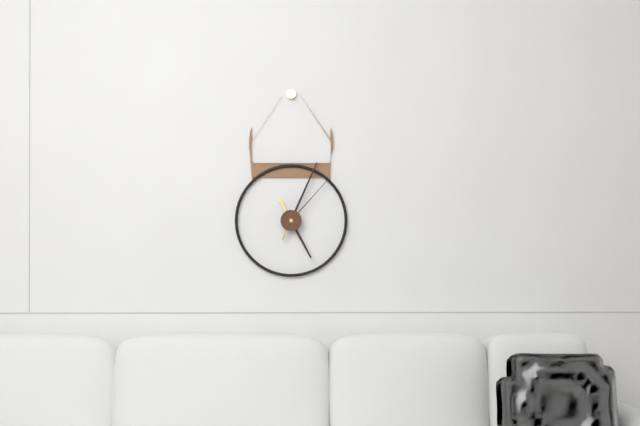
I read 5,04,07
